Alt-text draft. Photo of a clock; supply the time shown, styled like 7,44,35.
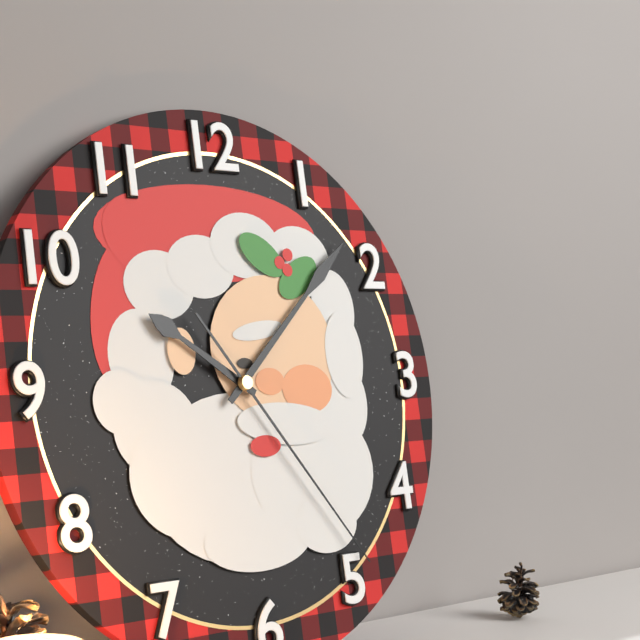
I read 10,08,24
